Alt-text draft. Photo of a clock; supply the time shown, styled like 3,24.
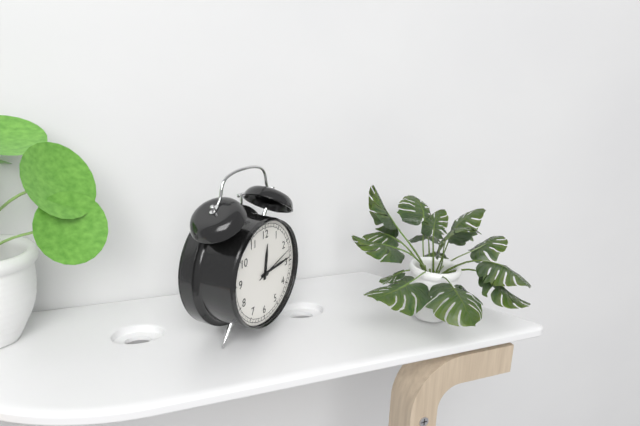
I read 12,14
